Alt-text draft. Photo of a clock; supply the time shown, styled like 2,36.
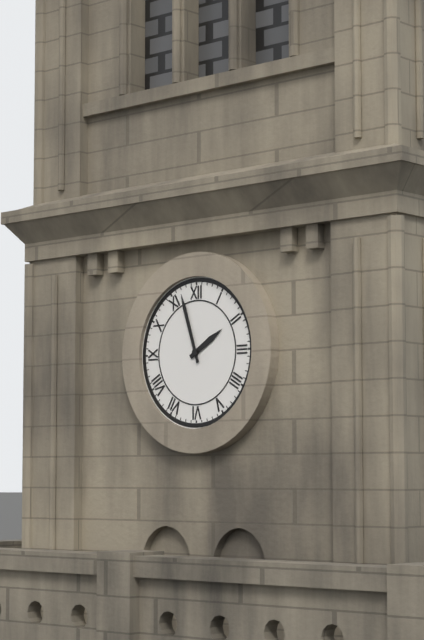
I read 1,57
